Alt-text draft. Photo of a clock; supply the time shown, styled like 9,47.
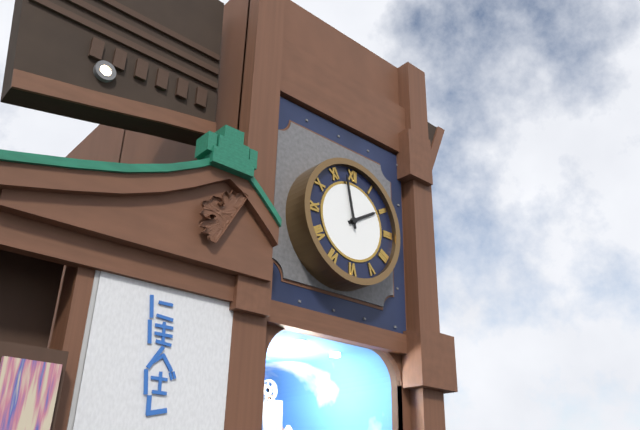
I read 1,58
